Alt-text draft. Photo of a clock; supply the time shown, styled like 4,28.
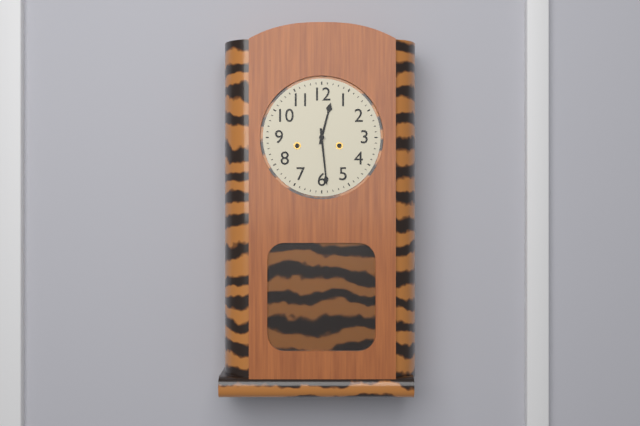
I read 12,29
